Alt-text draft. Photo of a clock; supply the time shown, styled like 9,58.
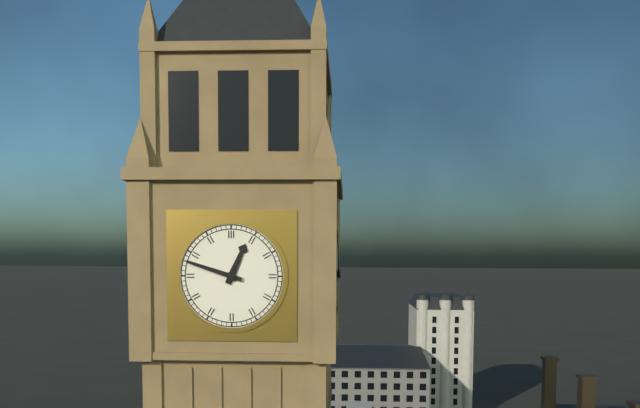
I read 12,48
